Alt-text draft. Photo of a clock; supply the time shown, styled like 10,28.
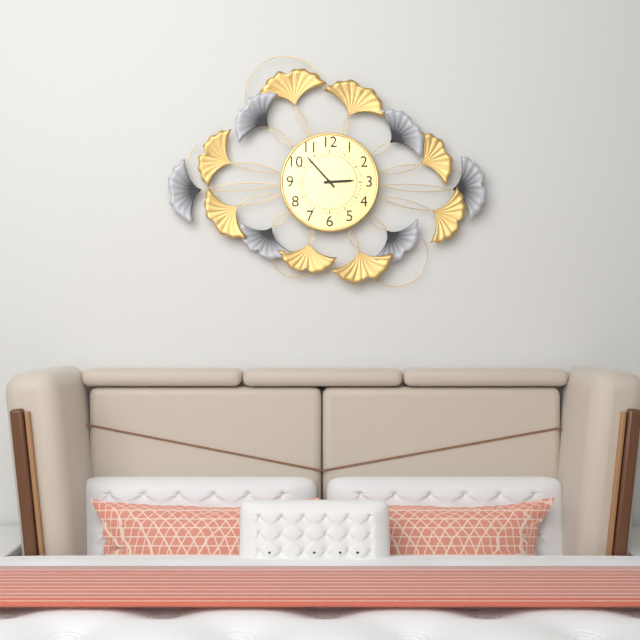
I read 2,53
